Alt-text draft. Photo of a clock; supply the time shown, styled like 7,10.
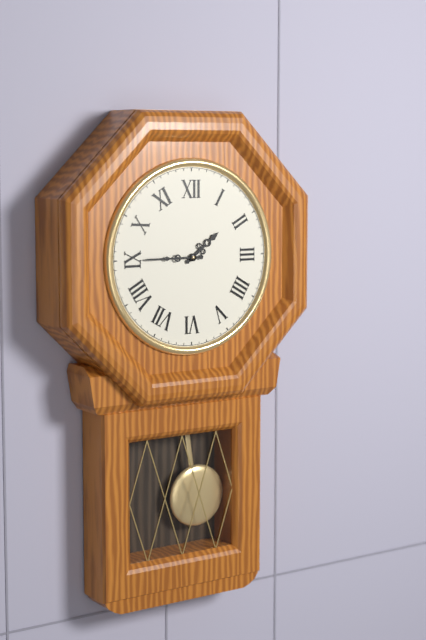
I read 1,45
